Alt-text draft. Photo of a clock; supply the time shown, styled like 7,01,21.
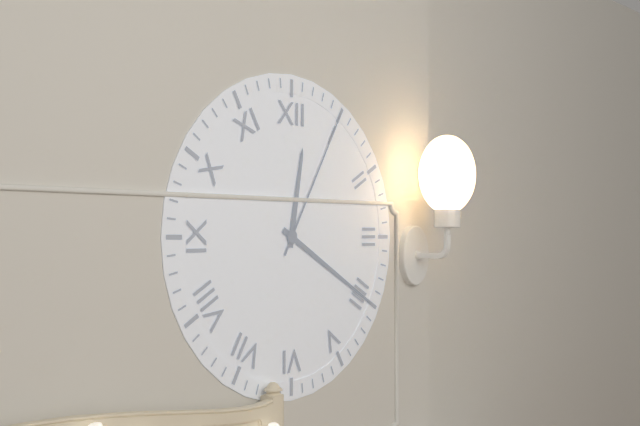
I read 12,20,05
